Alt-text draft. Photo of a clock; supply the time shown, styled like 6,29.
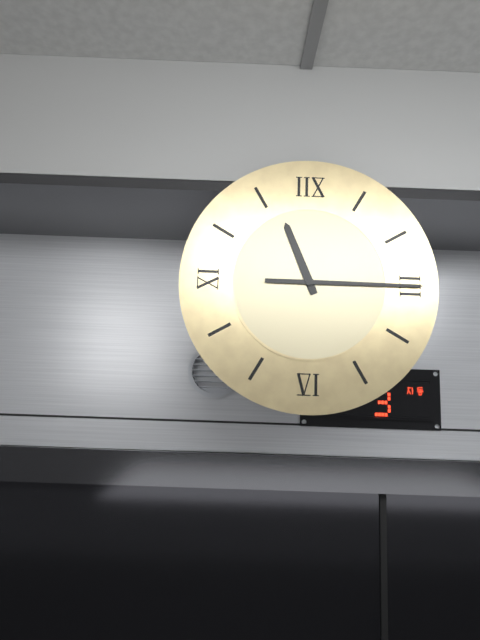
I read 11,15
